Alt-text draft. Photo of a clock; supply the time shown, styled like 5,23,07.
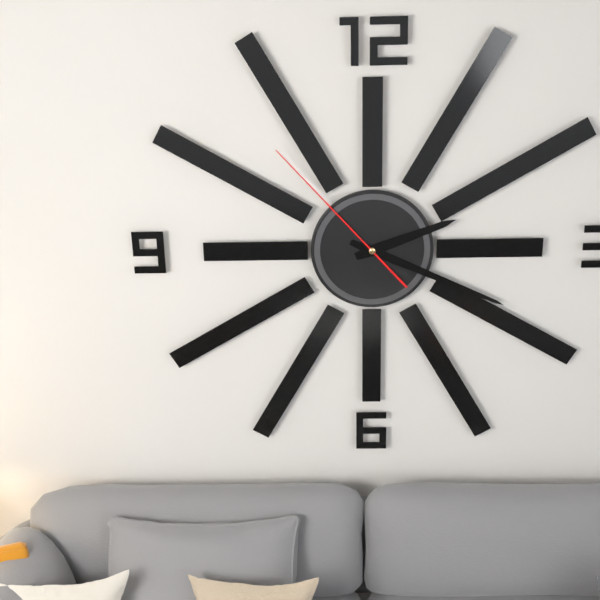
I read 2,19,53
